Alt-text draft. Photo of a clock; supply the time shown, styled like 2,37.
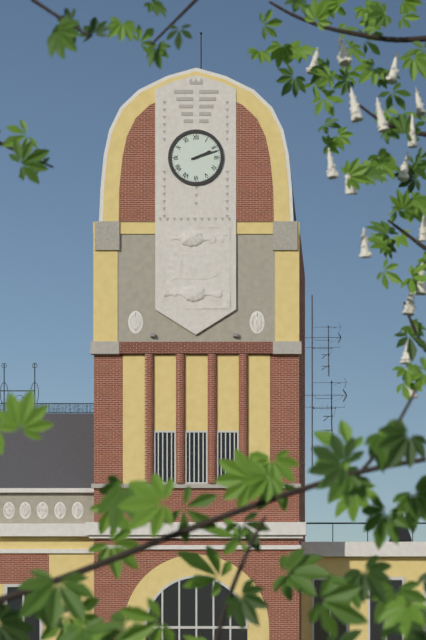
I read 2,12
